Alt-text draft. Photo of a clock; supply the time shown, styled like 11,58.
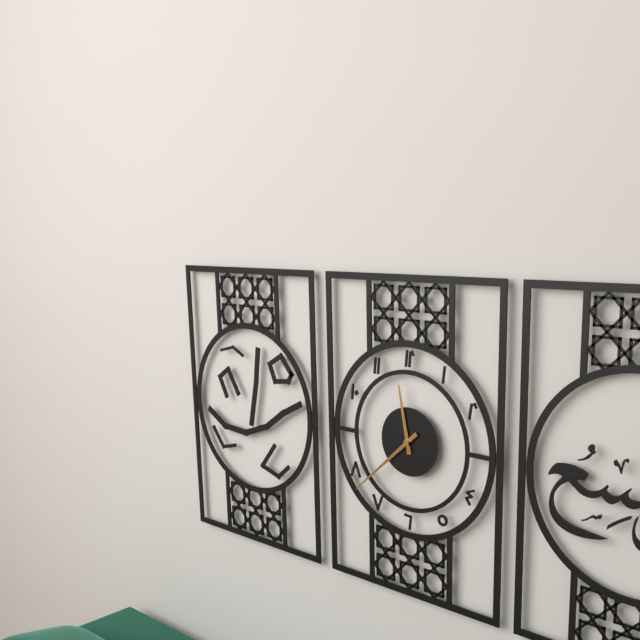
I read 11,38
